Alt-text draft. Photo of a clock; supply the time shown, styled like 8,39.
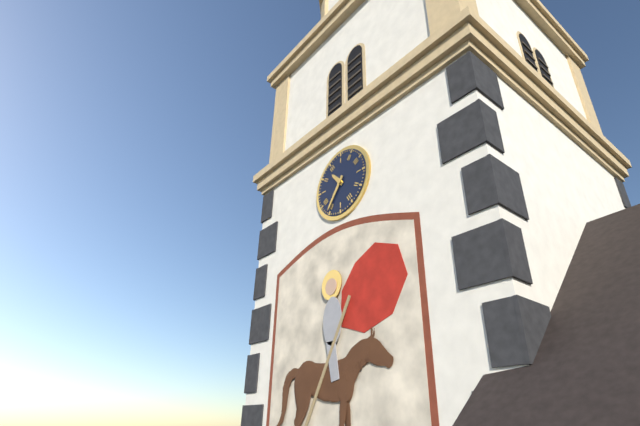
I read 10,36
